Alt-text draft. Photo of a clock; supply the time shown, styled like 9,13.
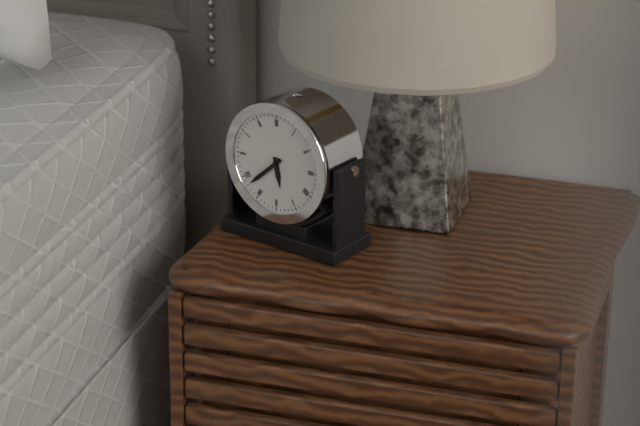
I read 5,38
